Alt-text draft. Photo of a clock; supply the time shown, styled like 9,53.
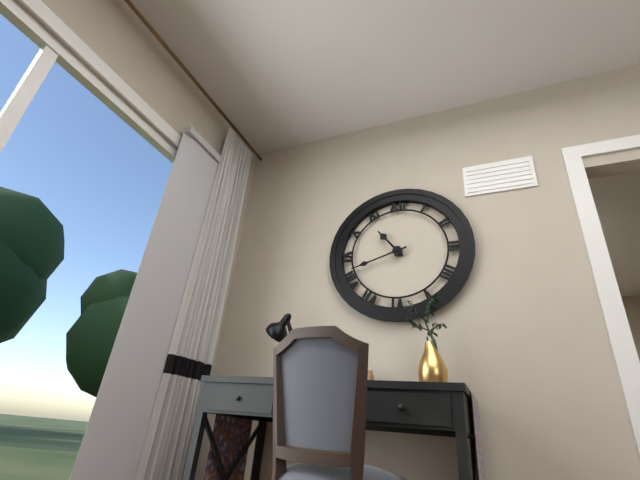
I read 10,42
